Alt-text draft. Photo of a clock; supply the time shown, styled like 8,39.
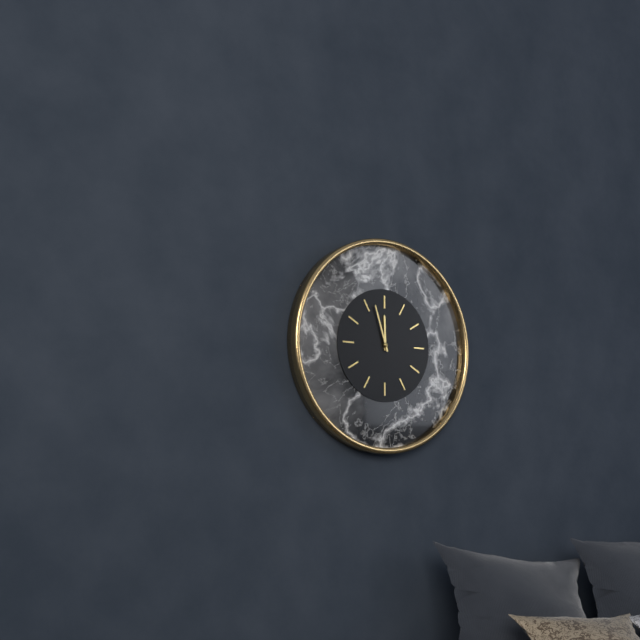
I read 11,57
